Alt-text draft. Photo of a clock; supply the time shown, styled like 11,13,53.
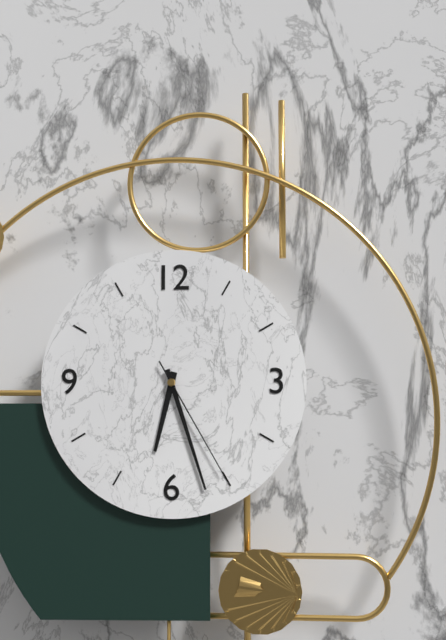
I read 6,27,25
